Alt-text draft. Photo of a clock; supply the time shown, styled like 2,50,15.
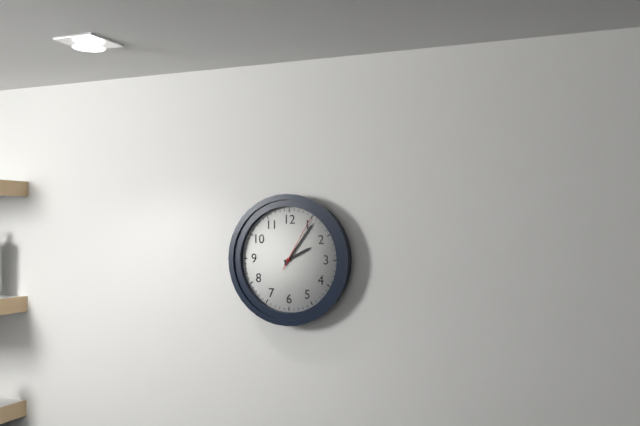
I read 2,06,05
